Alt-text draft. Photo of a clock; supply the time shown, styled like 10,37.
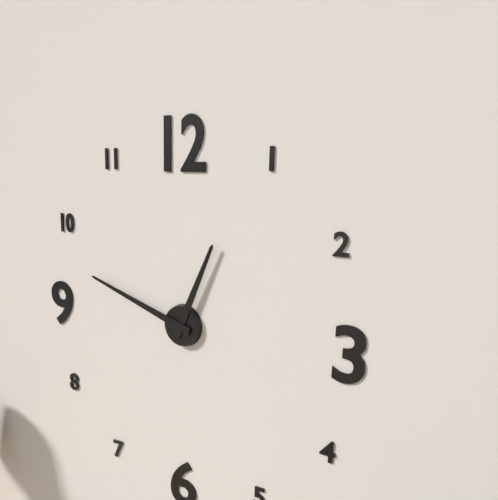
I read 12,48
